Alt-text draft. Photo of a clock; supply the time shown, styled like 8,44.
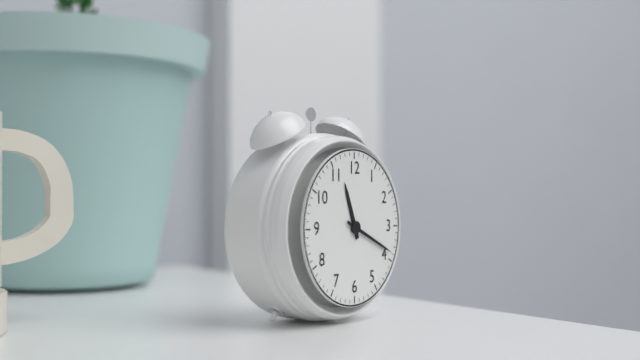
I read 11,19
